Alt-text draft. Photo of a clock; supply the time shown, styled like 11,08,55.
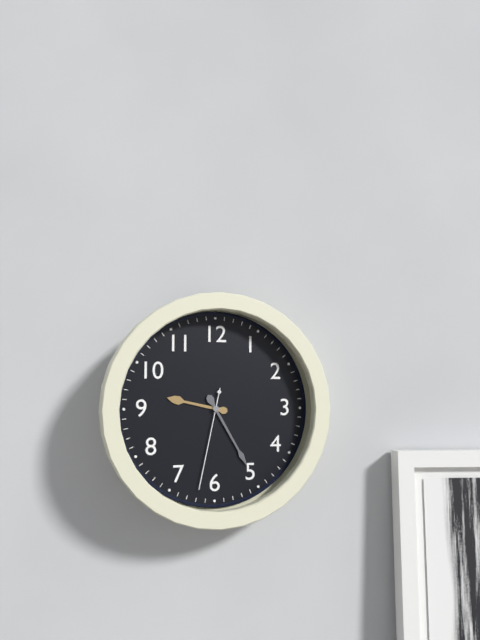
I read 9,25,32
